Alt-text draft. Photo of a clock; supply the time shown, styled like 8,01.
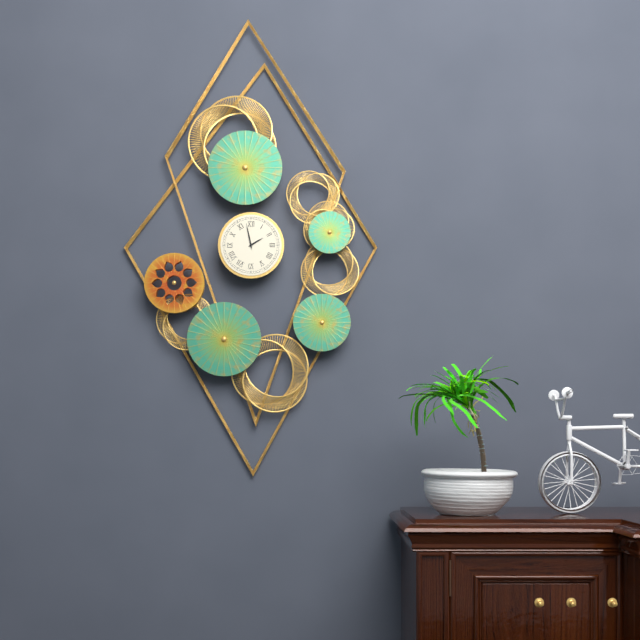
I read 1,58
